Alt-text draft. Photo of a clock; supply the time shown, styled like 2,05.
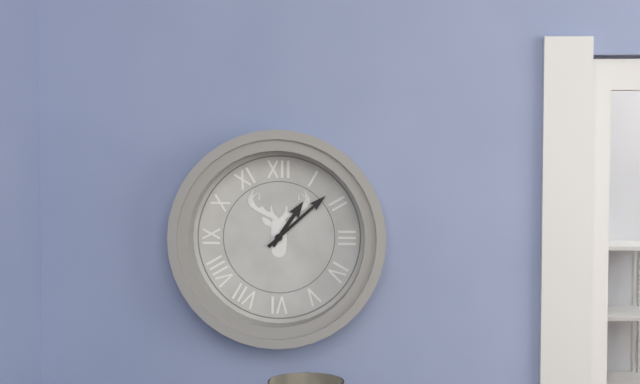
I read 1,08
